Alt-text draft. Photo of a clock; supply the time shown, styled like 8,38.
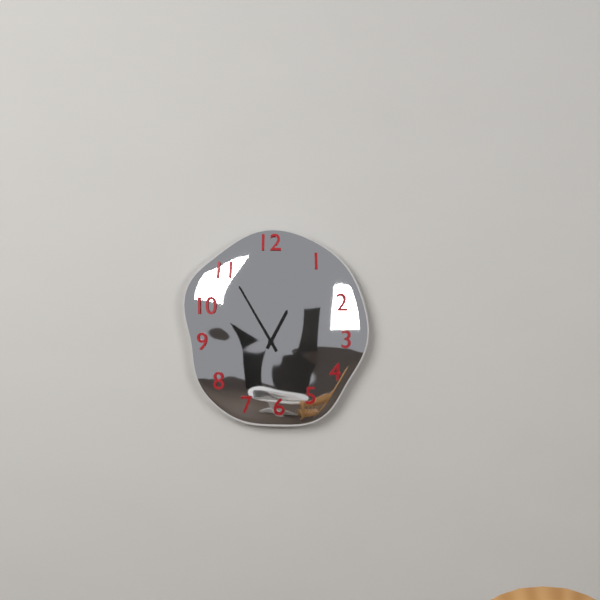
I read 12,55
